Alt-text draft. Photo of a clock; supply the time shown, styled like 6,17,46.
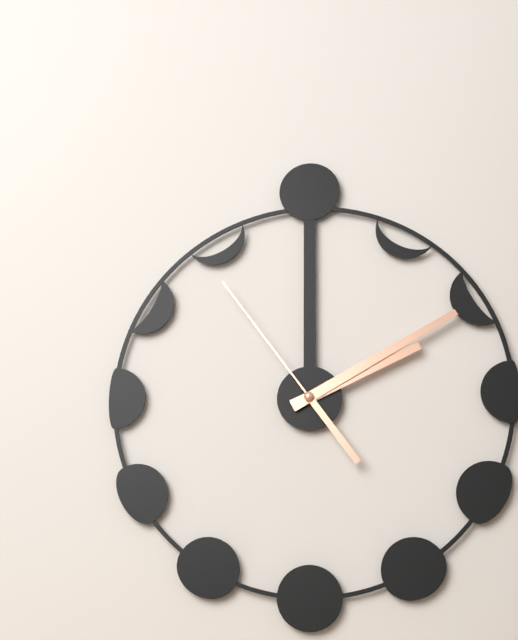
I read 2,10,54
